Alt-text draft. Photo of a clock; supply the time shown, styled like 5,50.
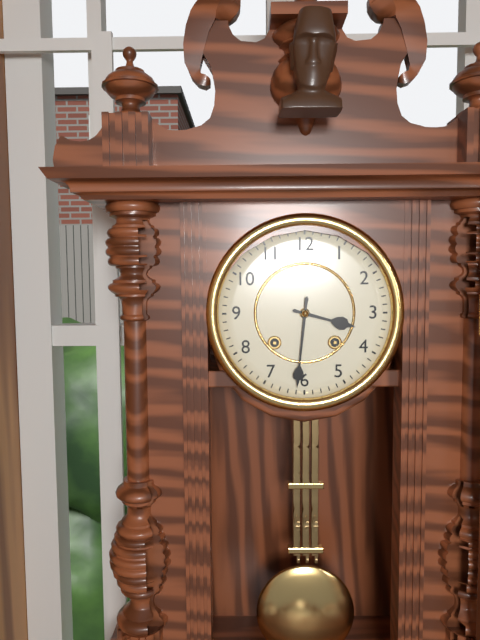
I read 3,31
